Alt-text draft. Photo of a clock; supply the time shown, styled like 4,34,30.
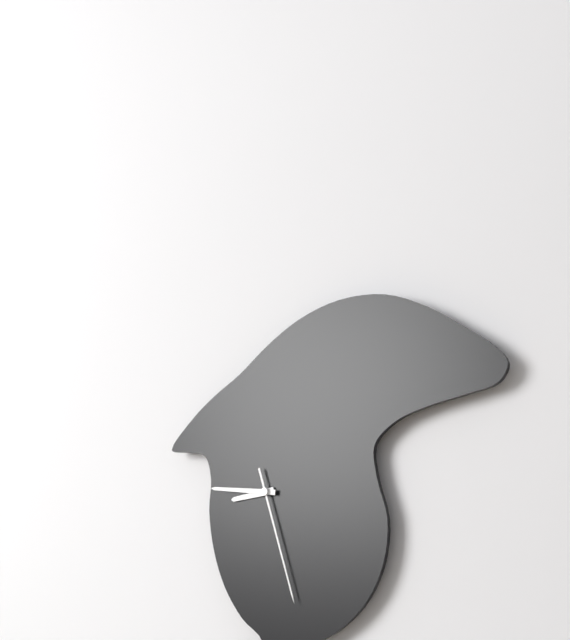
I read 8,46,27
